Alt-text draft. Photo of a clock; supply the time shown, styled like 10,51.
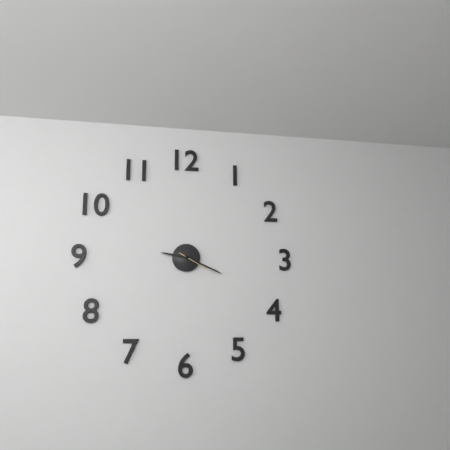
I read 9,19
